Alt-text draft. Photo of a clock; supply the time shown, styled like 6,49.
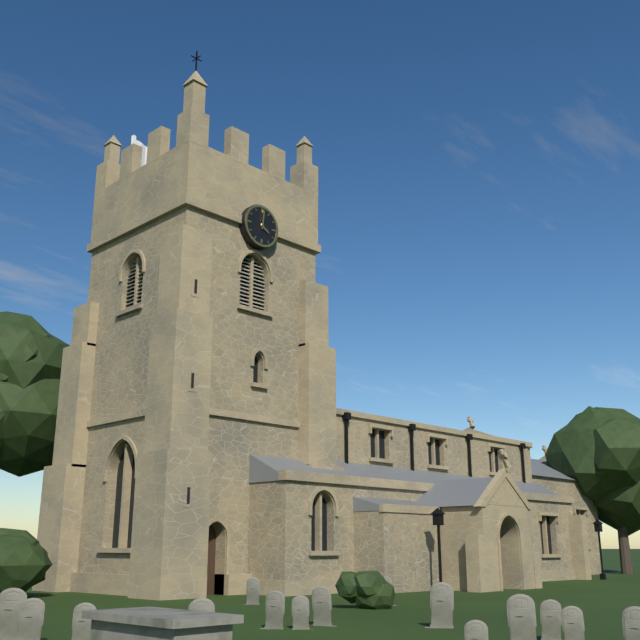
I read 4,01
